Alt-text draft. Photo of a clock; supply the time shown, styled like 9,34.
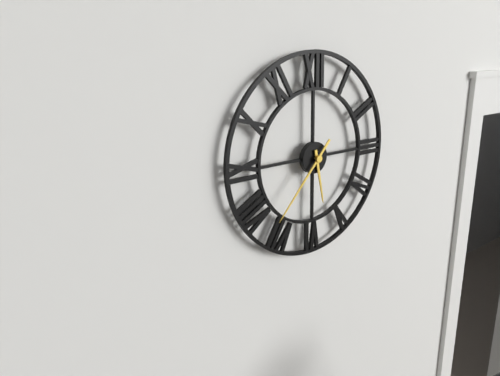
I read 5,37
